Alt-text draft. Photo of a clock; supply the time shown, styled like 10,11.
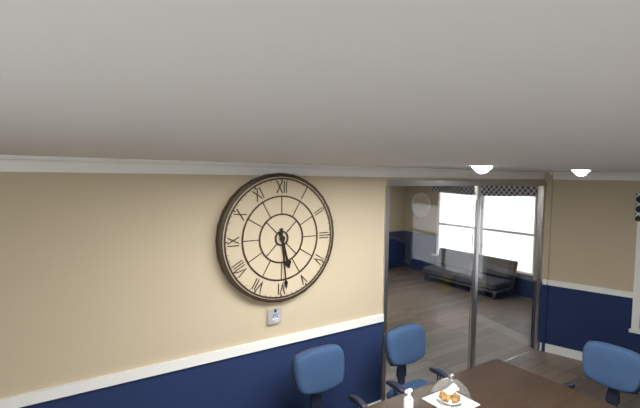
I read 5,29
